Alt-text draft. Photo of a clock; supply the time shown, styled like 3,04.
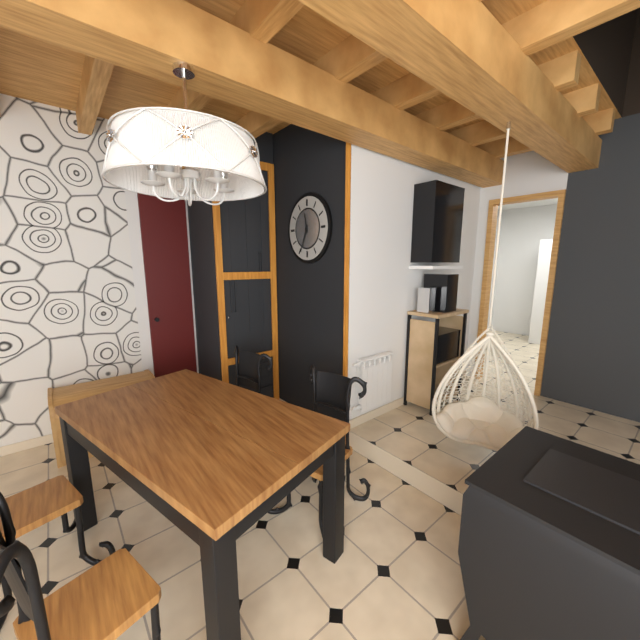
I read 11,34
